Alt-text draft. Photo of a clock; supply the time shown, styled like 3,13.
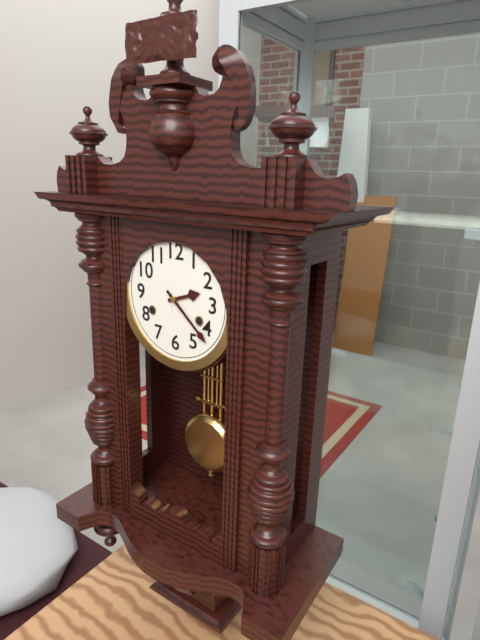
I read 2,22
